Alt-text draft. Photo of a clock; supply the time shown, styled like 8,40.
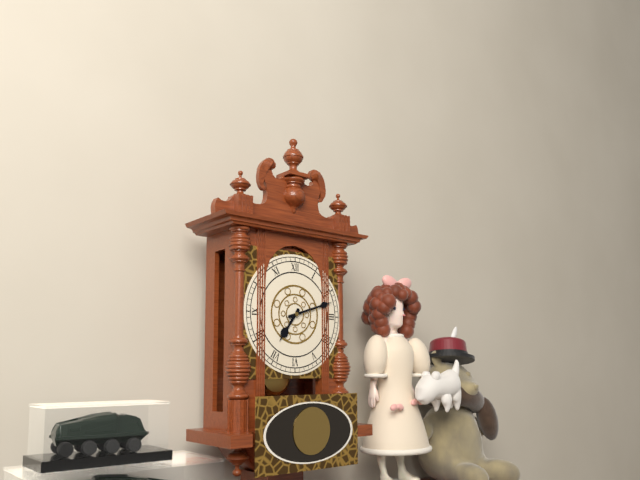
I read 7,12
